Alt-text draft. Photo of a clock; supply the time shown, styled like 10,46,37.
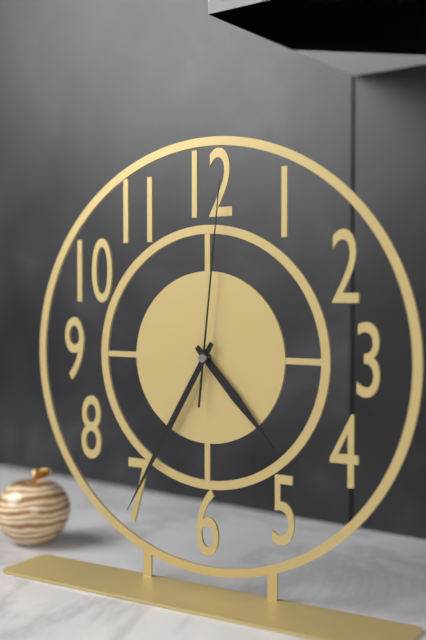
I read 4,35,01
